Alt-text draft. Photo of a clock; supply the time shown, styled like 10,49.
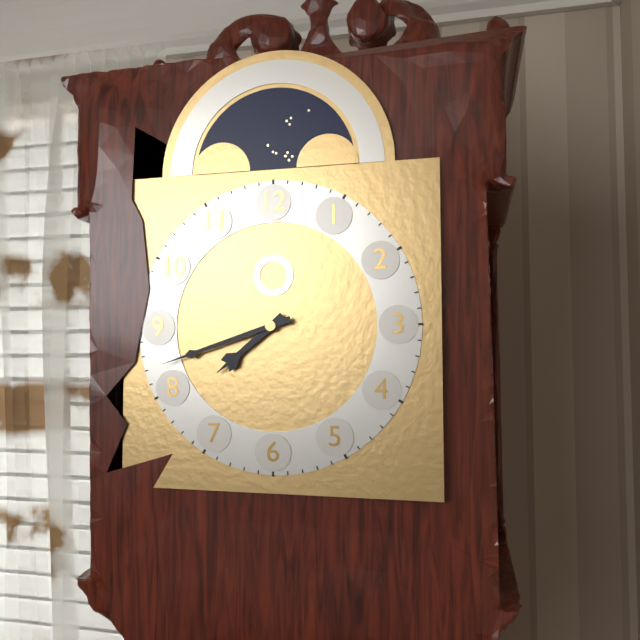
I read 7,42
